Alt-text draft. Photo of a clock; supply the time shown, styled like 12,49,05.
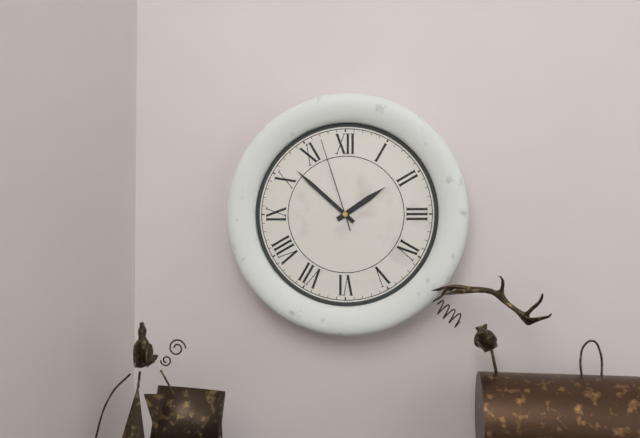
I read 1,52,57
